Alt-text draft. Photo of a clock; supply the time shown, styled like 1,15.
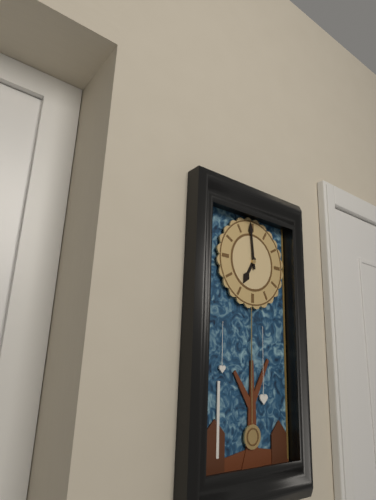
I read 6,59
